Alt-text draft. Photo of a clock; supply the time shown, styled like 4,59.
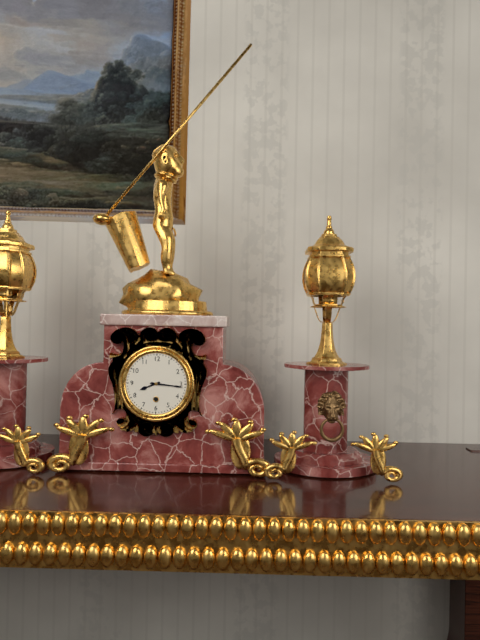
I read 8,16
